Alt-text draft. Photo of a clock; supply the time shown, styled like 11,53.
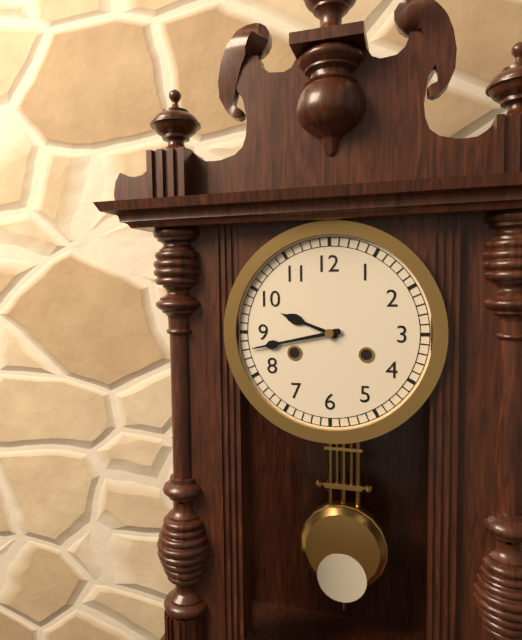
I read 9,43
